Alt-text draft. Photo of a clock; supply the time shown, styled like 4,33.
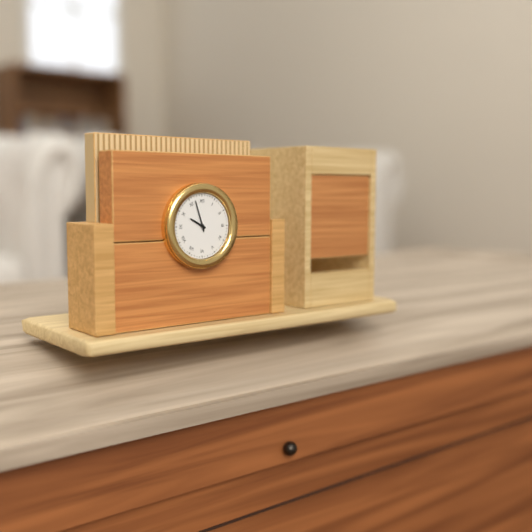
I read 9,57
